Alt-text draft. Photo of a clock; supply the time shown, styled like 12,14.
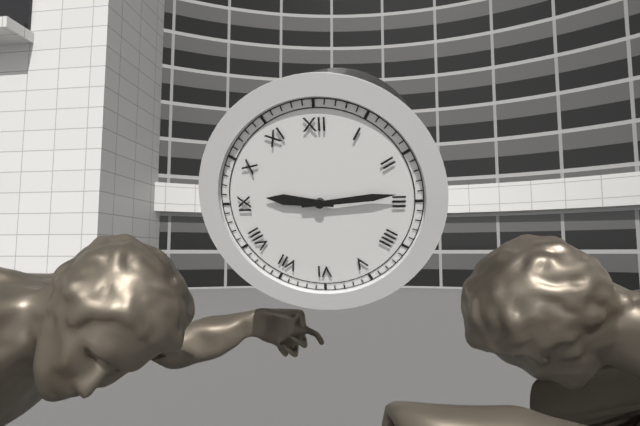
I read 9,14
